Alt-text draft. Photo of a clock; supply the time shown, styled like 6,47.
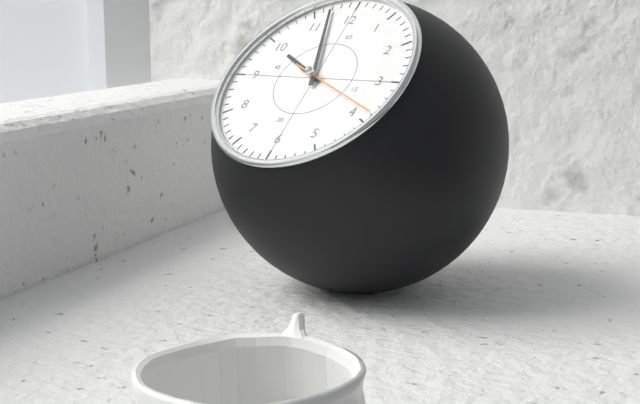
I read 9,57
